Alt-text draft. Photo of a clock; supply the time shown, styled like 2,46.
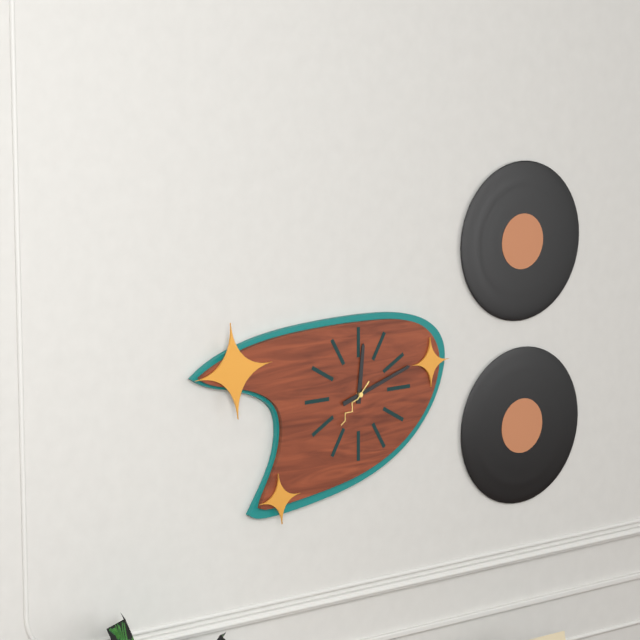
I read 12,12
